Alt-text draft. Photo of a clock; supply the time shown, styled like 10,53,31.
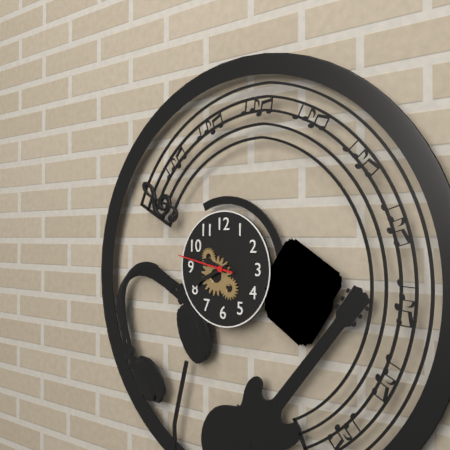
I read 9,41,47
